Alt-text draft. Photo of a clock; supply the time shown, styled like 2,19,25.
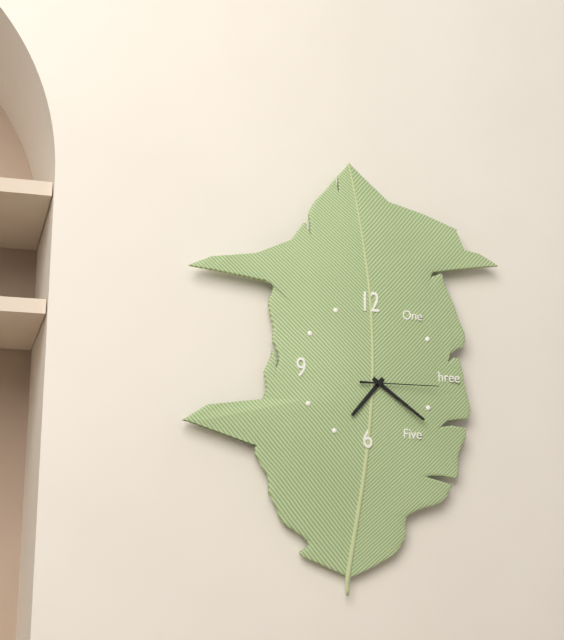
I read 7,21,15
